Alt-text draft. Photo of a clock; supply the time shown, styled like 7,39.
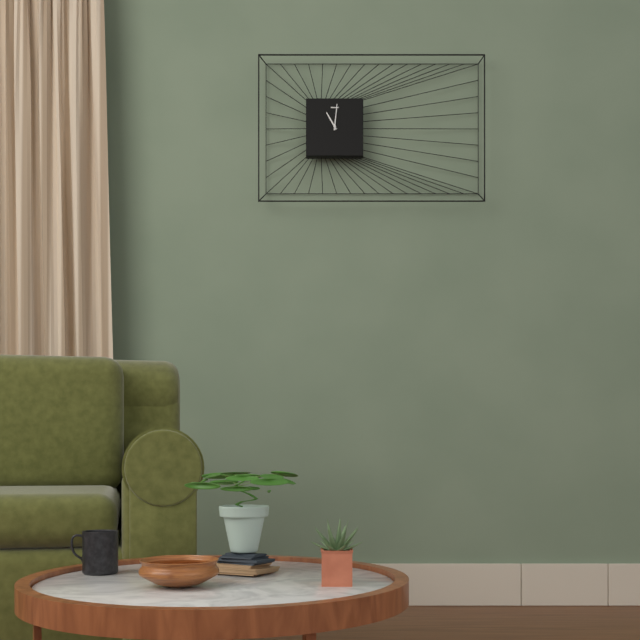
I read 11,01
